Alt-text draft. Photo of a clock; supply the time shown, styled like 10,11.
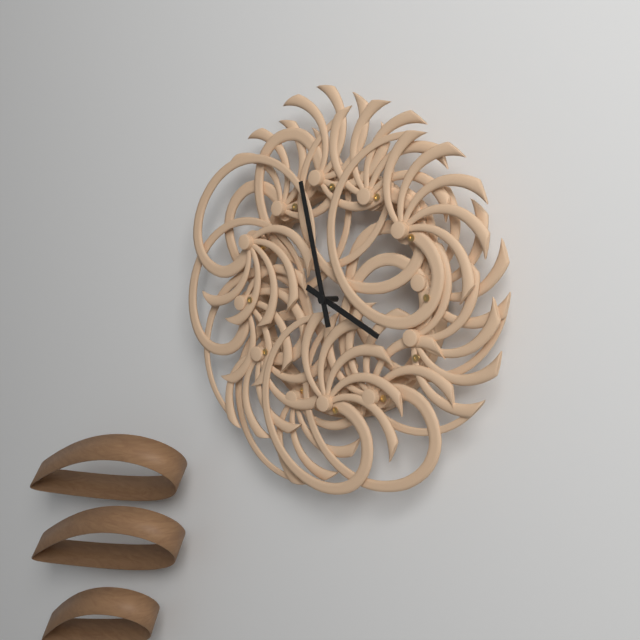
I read 3,58
